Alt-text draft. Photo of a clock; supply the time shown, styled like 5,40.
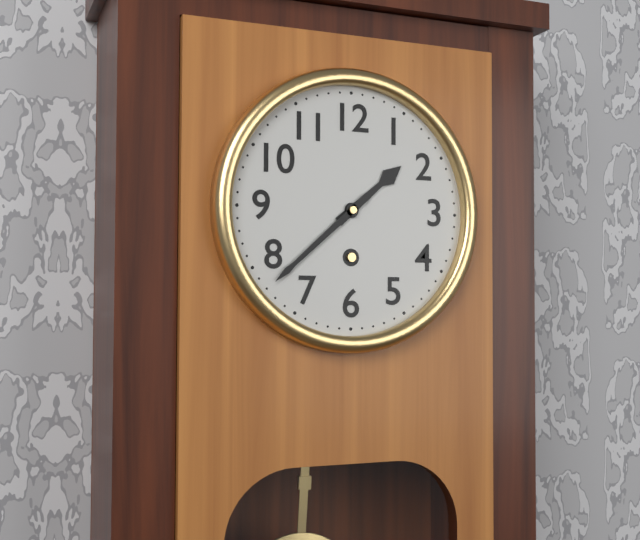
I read 1,38
